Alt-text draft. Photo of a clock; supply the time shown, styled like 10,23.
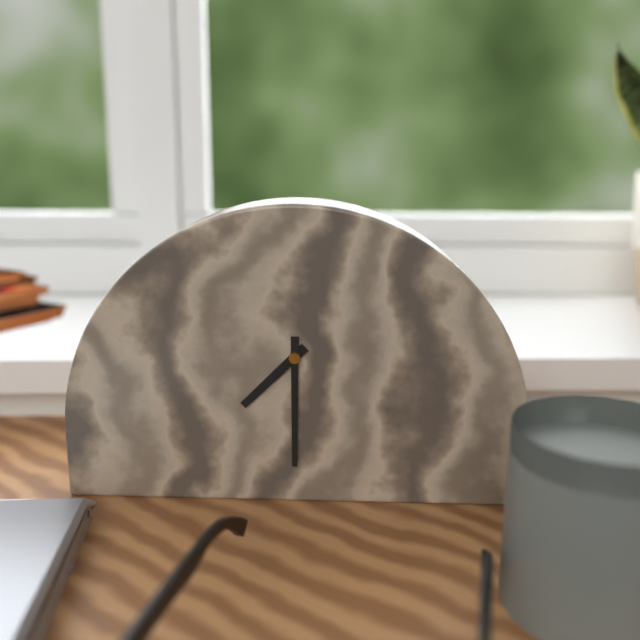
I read 7,30
